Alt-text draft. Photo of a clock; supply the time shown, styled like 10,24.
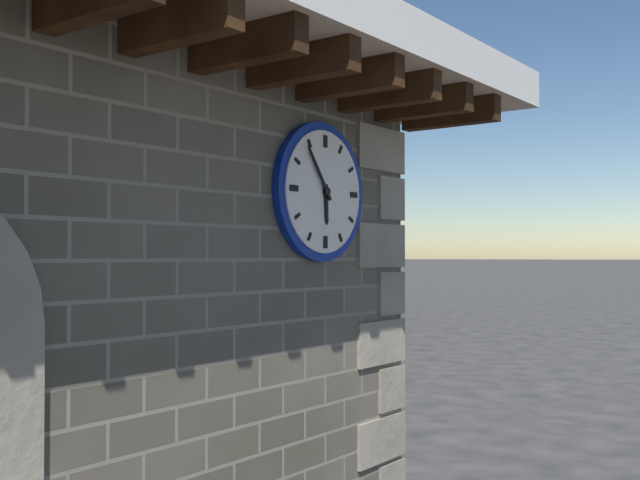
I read 5,54
